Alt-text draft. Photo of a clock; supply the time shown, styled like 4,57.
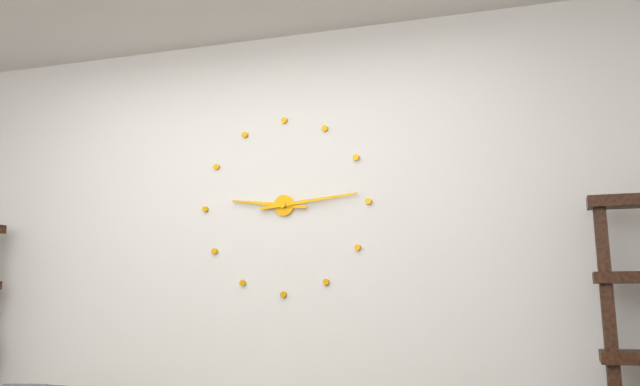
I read 9,14
